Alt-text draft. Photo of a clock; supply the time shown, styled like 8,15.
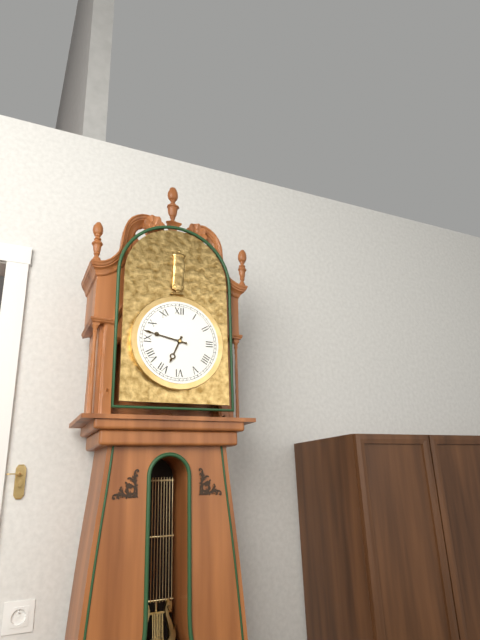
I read 6,47
